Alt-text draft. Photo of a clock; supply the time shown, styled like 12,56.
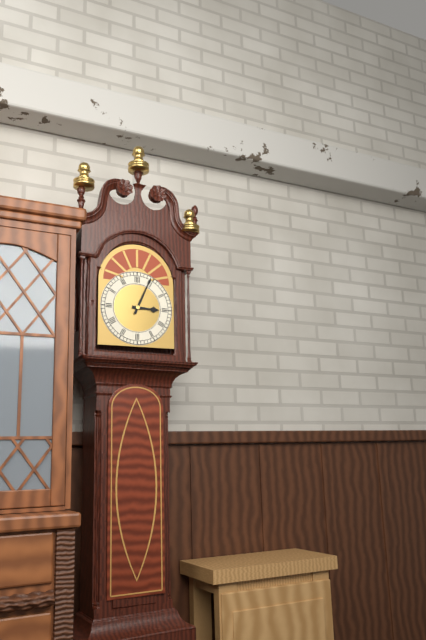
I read 3,04
